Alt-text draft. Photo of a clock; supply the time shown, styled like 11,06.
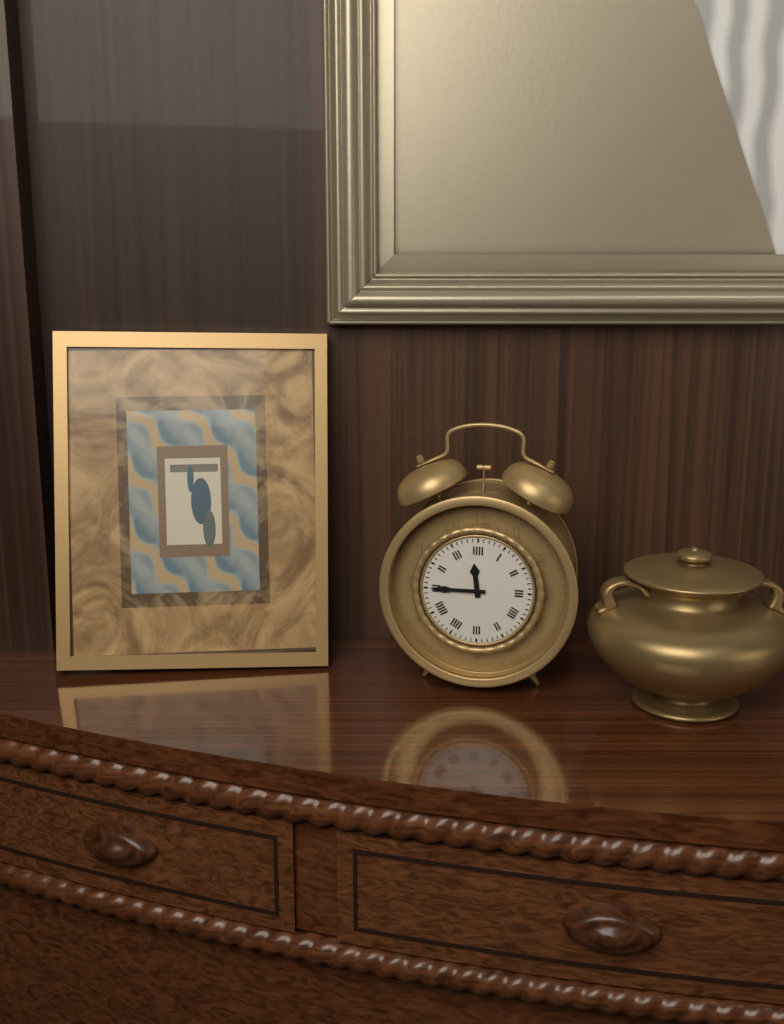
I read 11,45
